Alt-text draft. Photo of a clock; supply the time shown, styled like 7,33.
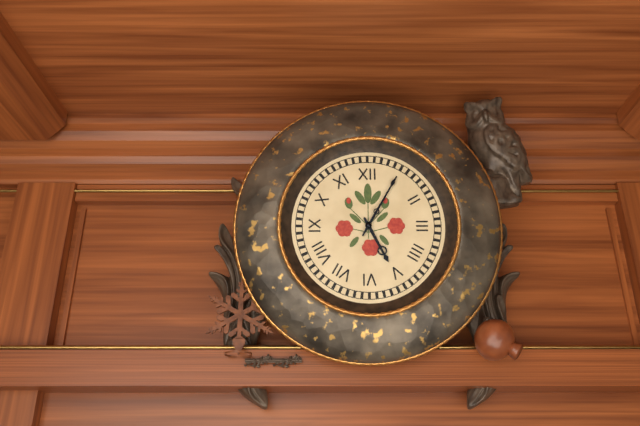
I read 5,05
